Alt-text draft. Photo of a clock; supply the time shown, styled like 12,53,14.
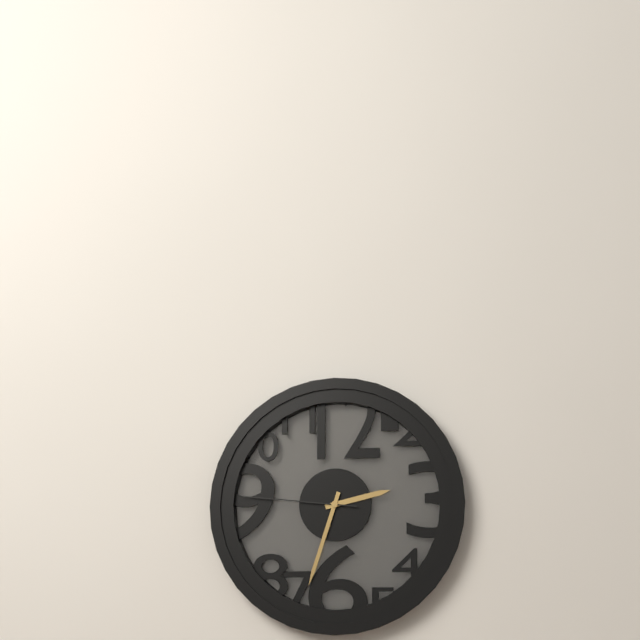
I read 2,33,46
